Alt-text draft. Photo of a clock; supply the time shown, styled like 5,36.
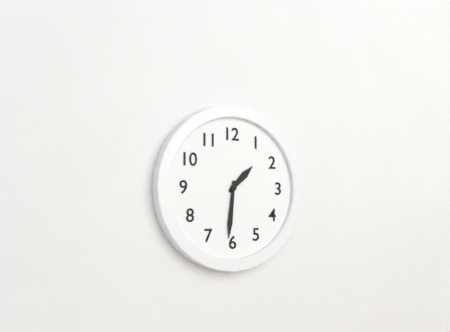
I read 1,31
